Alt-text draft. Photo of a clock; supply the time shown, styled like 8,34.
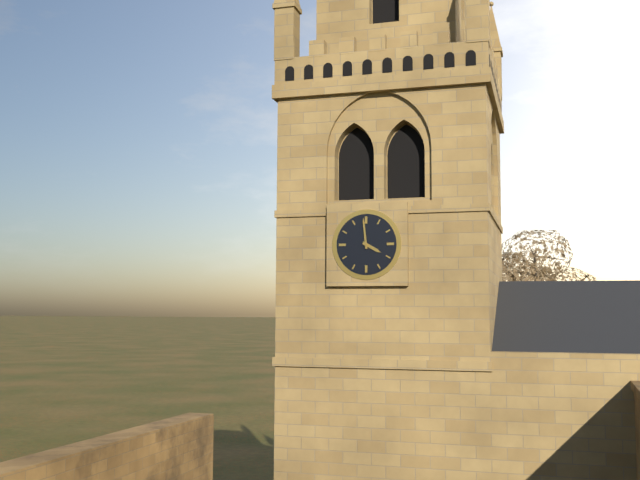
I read 3,59
